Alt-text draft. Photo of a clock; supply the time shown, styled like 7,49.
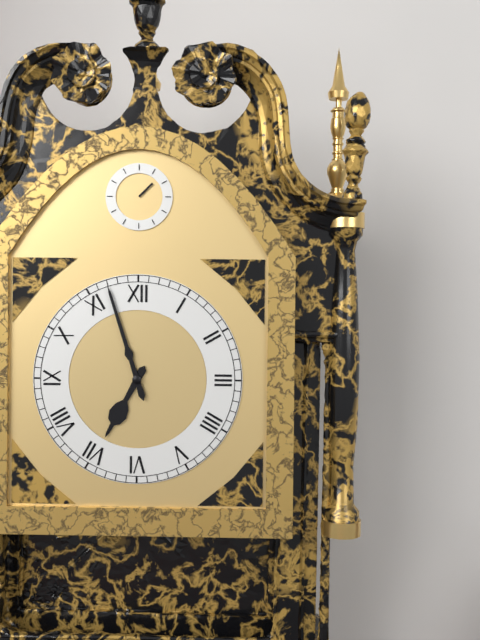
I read 6,57
